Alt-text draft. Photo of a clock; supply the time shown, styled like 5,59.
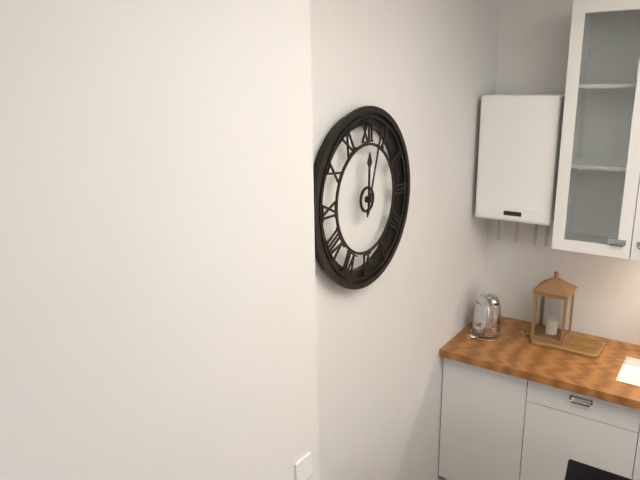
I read 12,03
